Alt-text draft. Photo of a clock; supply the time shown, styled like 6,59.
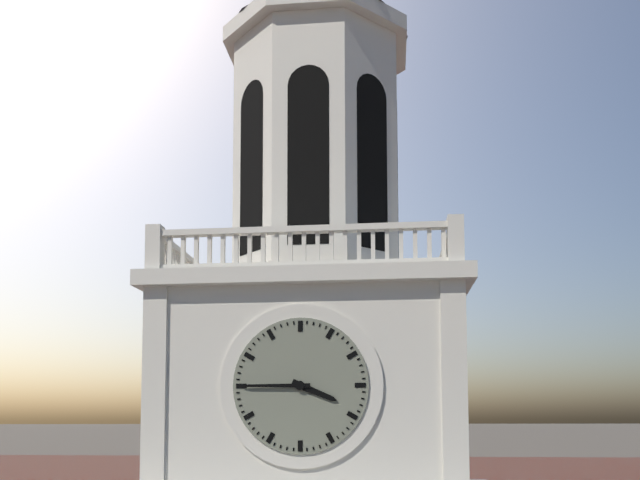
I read 3,45
